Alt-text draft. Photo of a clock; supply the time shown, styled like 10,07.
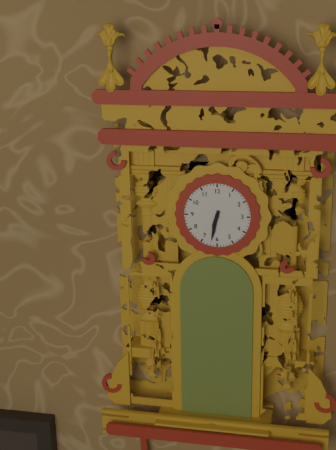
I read 6,32
